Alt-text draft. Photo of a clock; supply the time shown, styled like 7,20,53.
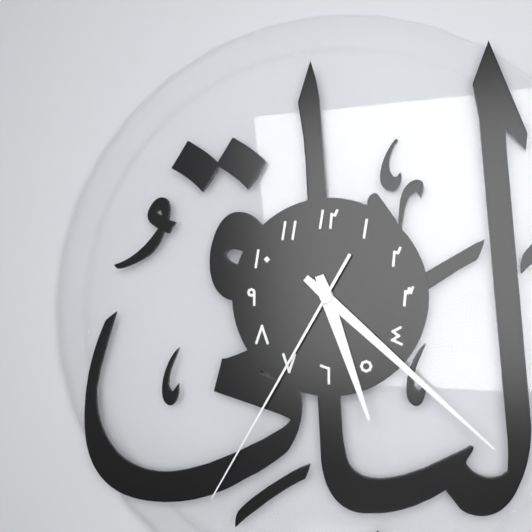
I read 5,22,35
